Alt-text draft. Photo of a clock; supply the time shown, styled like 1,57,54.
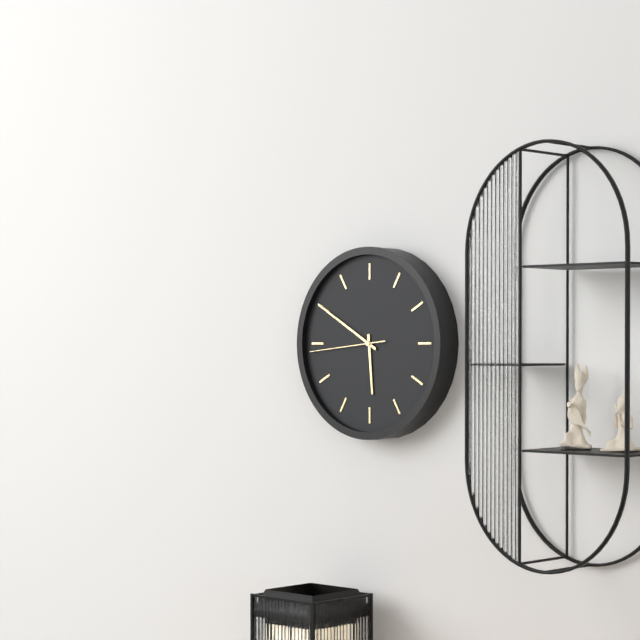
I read 5,50,44
